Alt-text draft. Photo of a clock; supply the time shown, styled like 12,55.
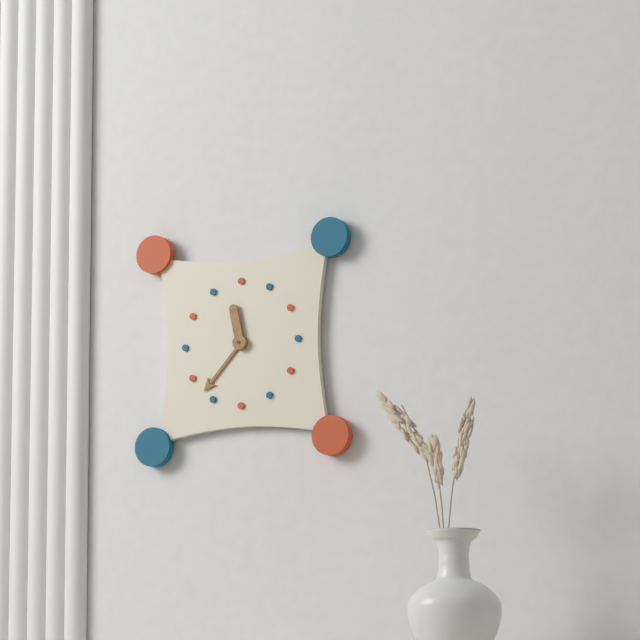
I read 11,37
